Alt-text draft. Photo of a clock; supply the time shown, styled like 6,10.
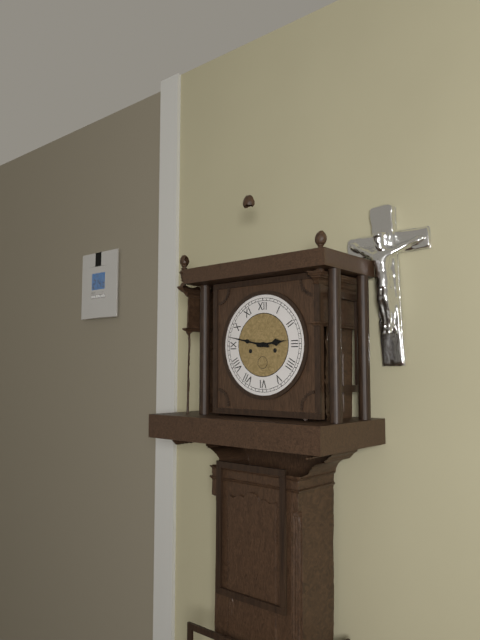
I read 2,47
